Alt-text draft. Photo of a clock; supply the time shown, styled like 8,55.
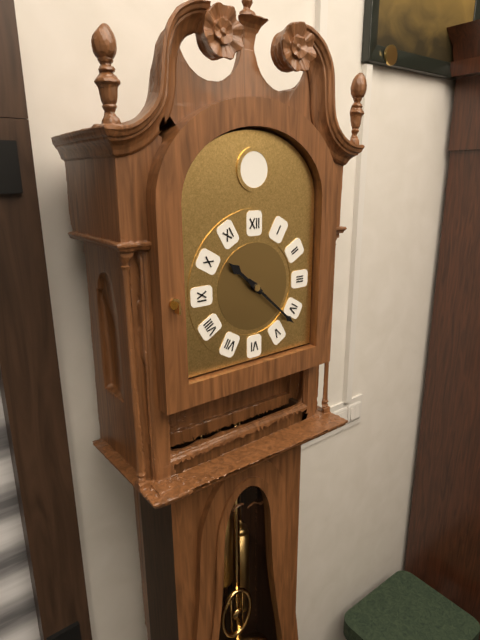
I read 10,22
